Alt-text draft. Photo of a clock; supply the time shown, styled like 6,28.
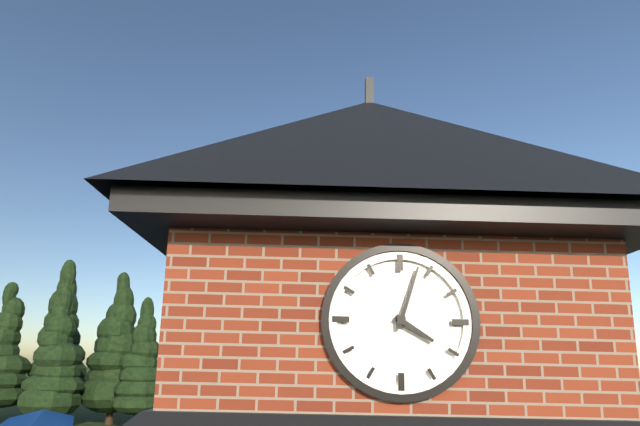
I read 4,03
